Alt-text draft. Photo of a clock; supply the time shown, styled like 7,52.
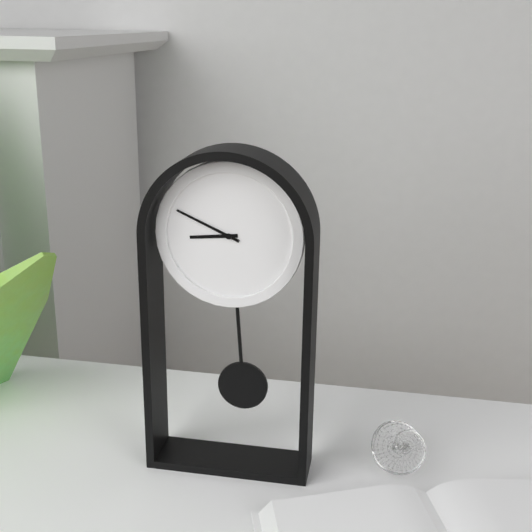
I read 8,49
